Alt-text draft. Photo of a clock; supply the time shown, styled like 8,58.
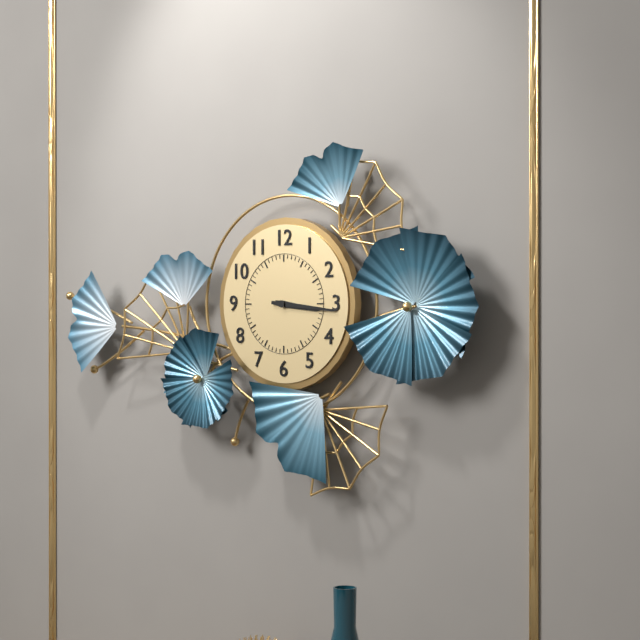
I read 3,16
